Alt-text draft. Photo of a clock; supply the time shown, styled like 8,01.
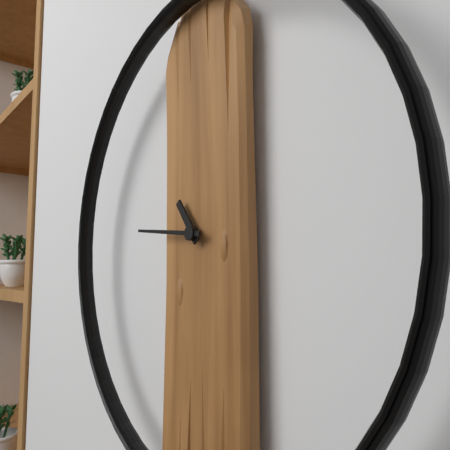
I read 10,46
